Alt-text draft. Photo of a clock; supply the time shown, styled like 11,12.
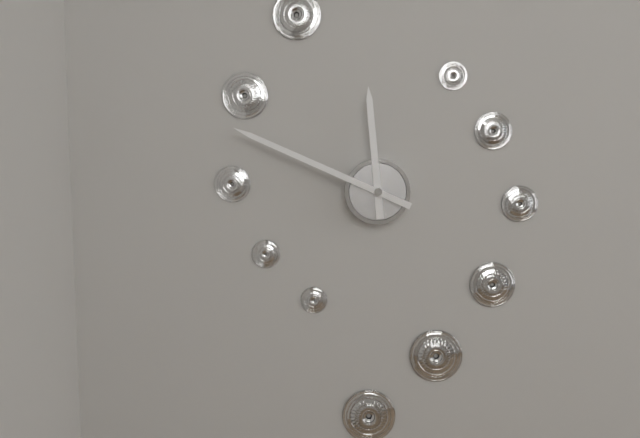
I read 11,49
